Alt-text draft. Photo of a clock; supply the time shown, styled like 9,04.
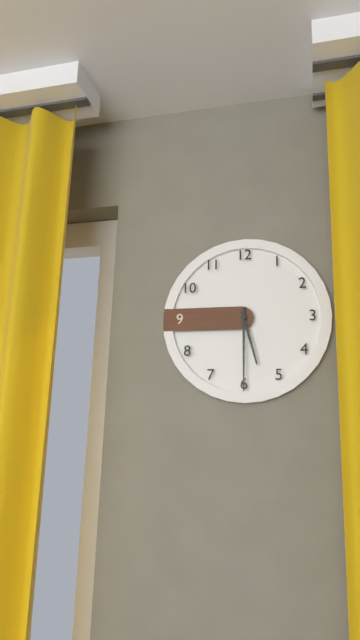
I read 5,30
